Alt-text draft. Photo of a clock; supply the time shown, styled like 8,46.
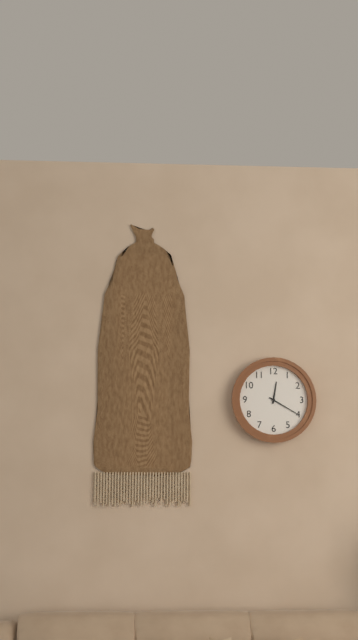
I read 12,20
